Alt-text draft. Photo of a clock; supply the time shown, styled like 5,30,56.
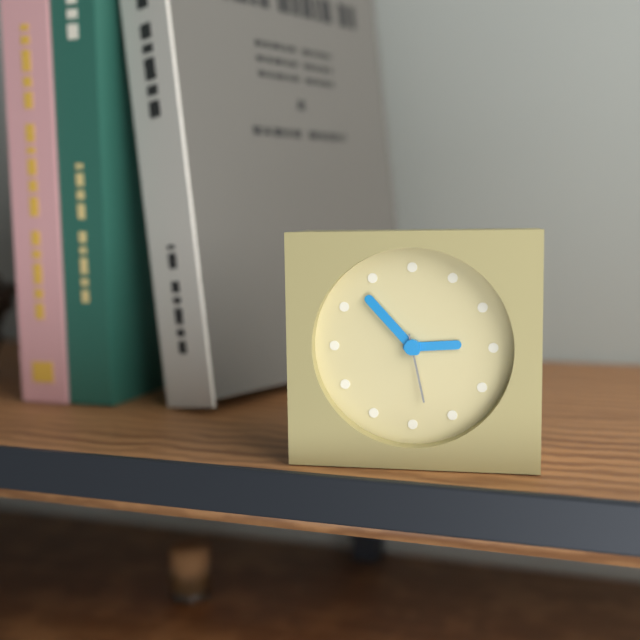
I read 2,53,28
